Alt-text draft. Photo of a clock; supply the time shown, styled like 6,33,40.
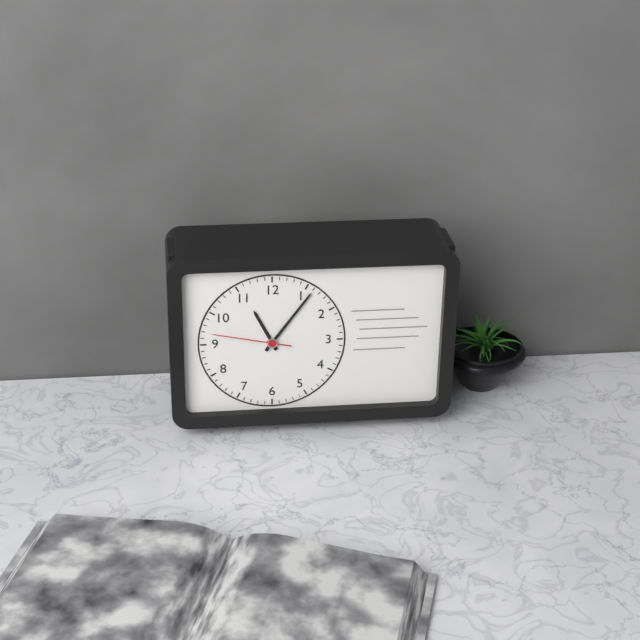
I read 11,06,47
